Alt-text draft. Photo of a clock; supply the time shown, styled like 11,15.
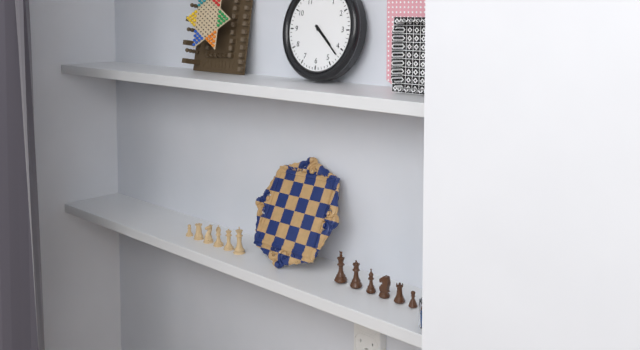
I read 4,22
